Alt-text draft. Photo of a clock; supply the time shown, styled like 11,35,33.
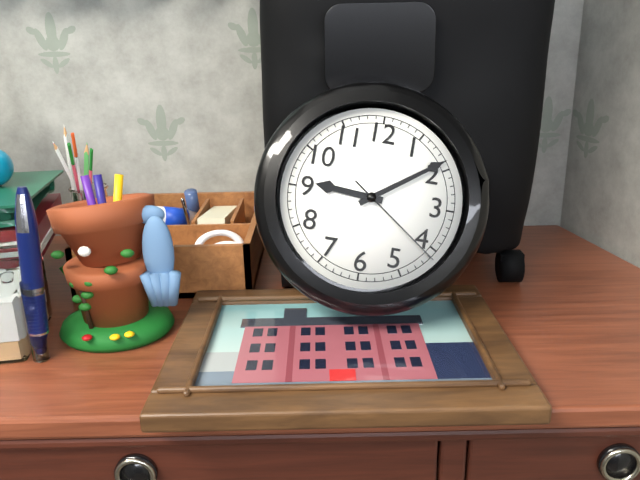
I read 9,09,21
